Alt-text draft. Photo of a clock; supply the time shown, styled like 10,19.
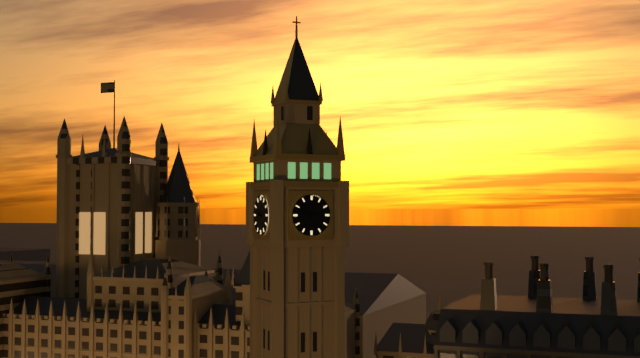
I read 9,49
